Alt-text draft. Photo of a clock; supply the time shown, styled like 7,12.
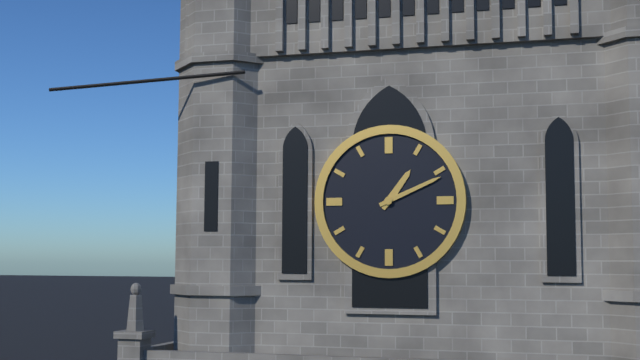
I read 1,11
